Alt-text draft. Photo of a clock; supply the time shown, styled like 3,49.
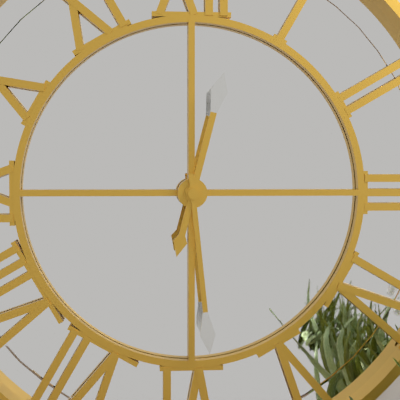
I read 12,29
